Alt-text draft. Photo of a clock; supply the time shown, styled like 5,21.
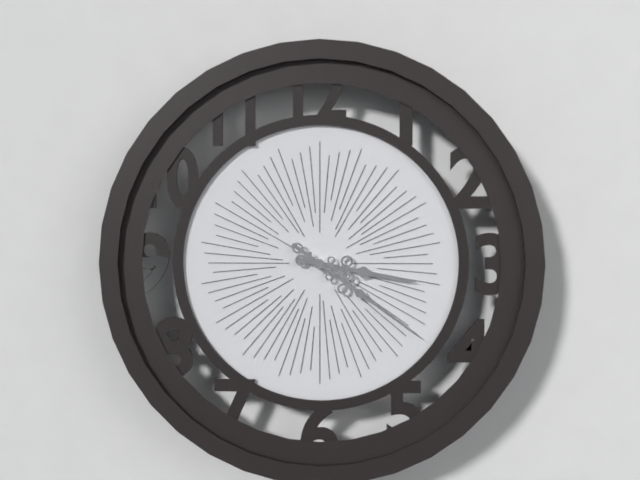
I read 3,21
